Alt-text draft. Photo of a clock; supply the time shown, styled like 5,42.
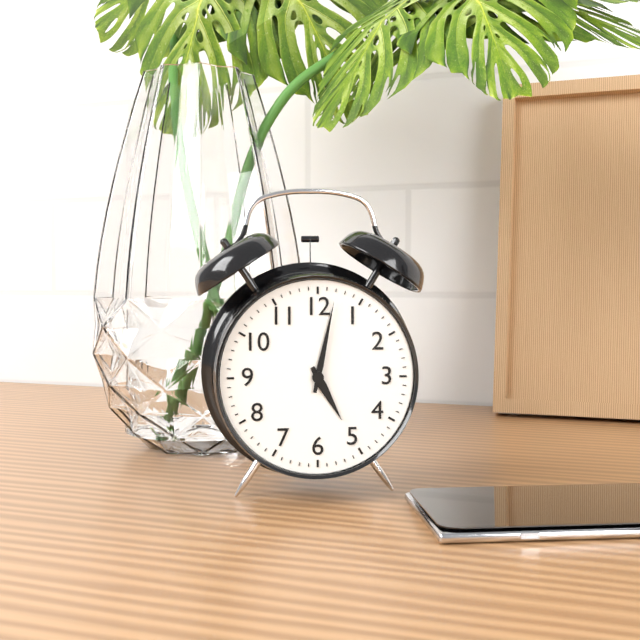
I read 5,02
